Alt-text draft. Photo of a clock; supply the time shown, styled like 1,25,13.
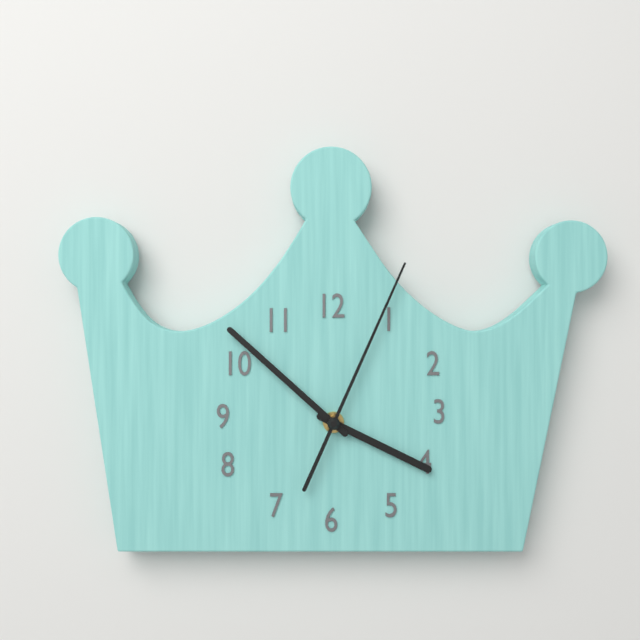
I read 3,52,04
